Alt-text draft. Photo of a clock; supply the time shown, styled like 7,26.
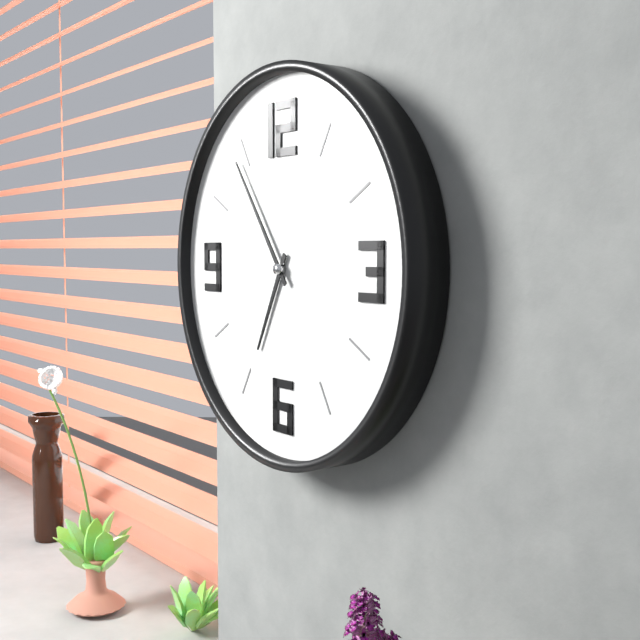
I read 6,54
